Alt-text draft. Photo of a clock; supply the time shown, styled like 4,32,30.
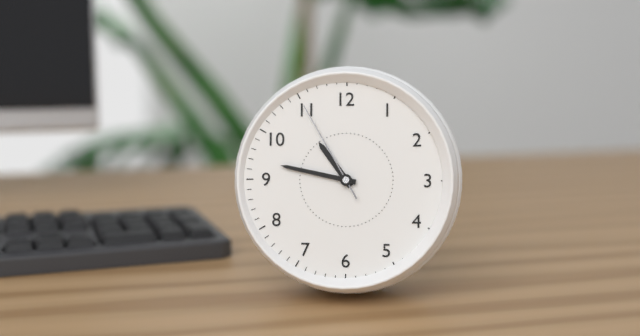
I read 10,47,55
